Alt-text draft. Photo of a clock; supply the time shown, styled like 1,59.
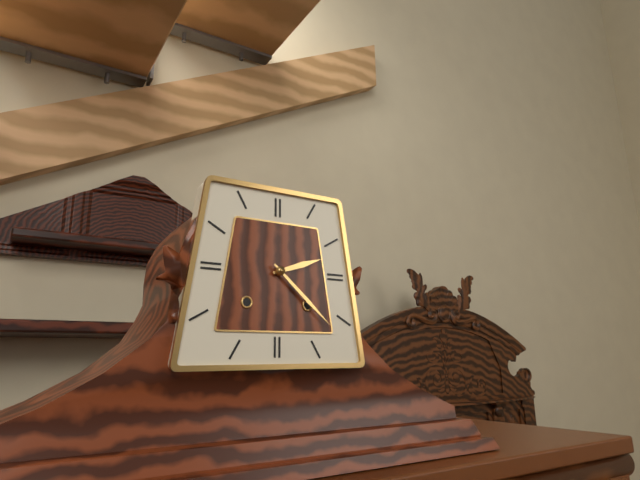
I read 2,22
